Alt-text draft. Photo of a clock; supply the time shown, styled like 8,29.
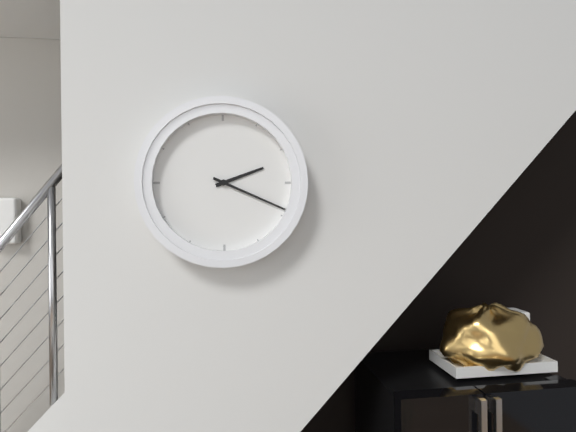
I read 2,19
